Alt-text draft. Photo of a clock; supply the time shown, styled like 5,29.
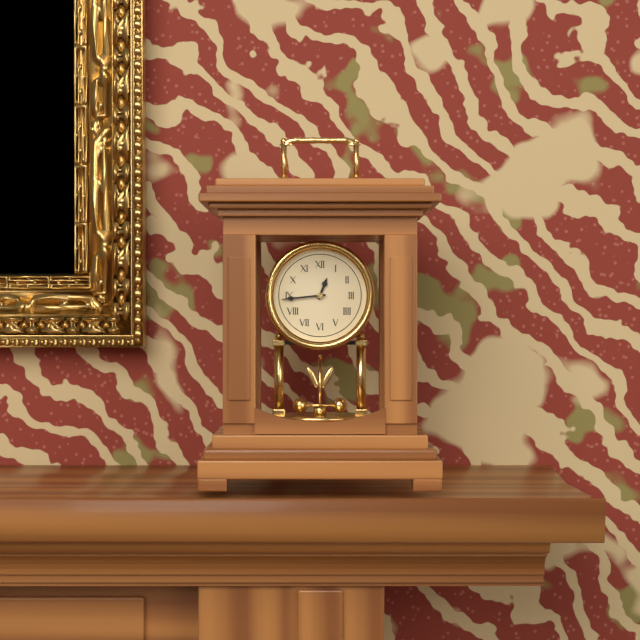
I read 12,44
